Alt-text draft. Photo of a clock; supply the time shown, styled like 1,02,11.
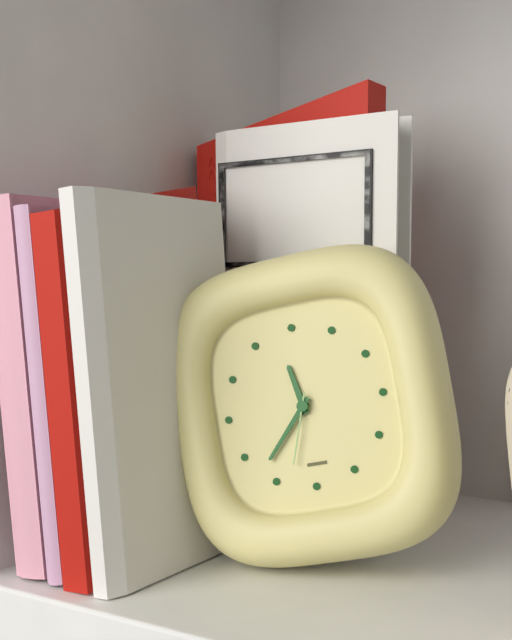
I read 11,37,33
